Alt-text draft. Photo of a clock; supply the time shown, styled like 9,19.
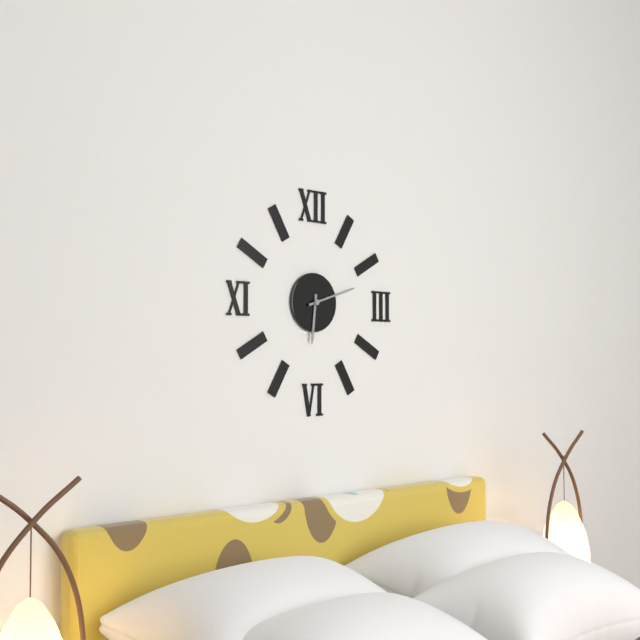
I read 6,12
